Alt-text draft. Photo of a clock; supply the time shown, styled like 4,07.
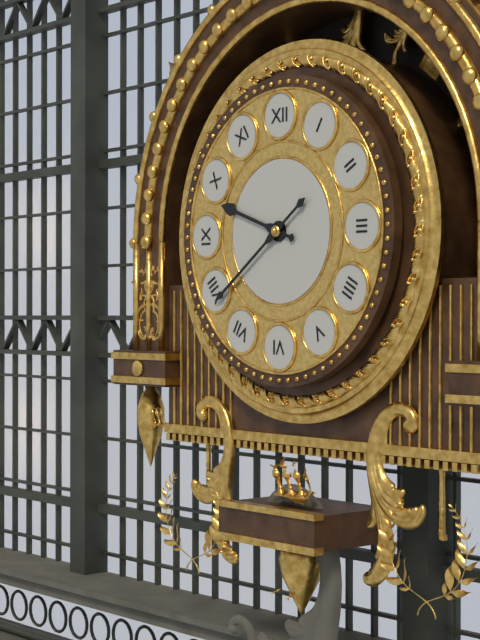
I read 9,39
